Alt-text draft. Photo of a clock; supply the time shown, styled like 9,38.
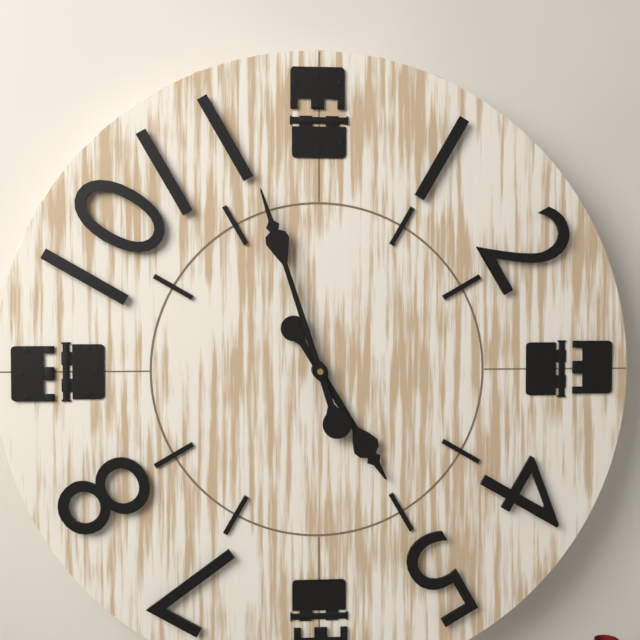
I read 4,57
